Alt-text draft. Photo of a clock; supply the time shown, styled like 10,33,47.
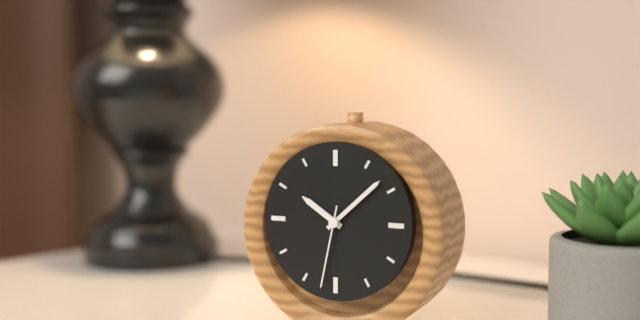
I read 10,08,32
